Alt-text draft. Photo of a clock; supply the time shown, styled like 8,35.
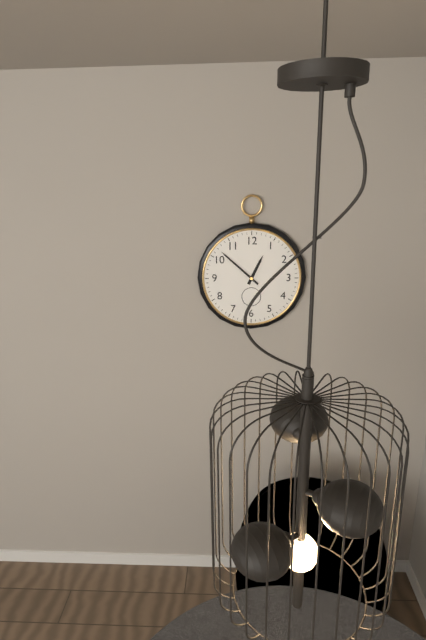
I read 12,52
